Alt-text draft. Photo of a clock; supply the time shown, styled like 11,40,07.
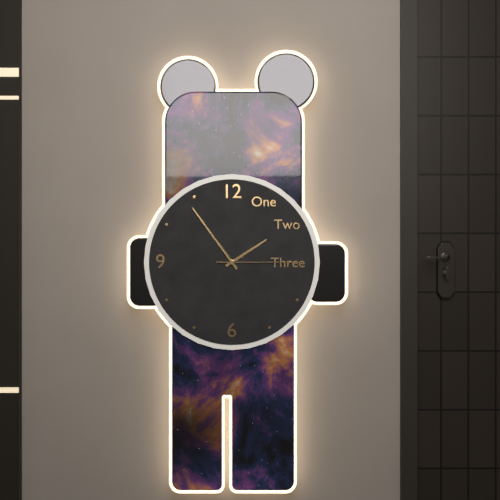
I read 1,54,15
